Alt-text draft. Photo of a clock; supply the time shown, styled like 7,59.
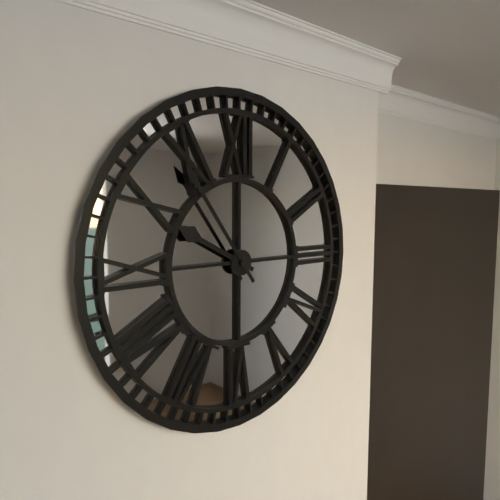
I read 9,54
